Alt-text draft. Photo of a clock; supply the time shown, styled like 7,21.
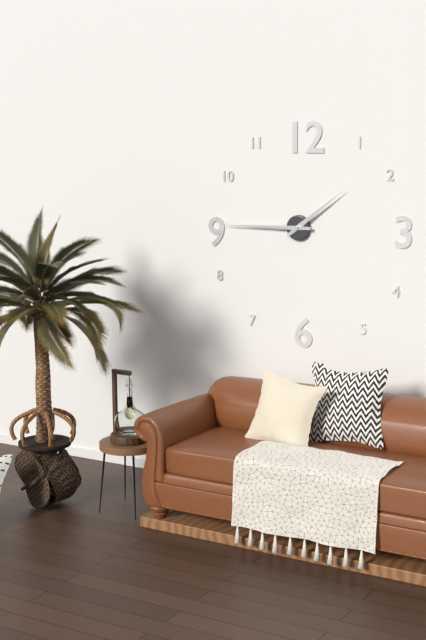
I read 1,45
